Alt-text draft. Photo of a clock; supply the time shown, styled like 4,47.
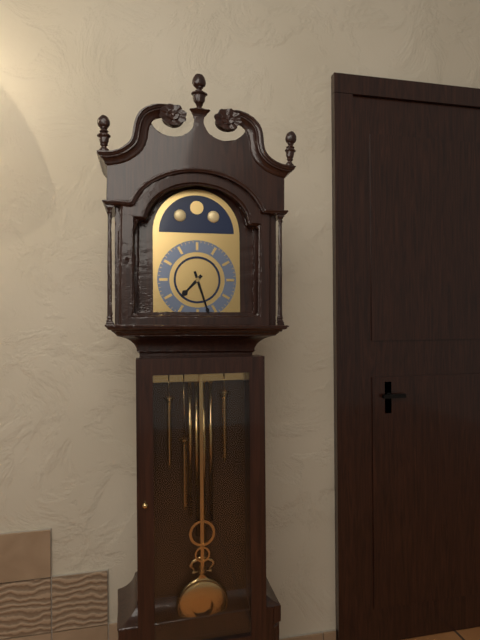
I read 7,27
